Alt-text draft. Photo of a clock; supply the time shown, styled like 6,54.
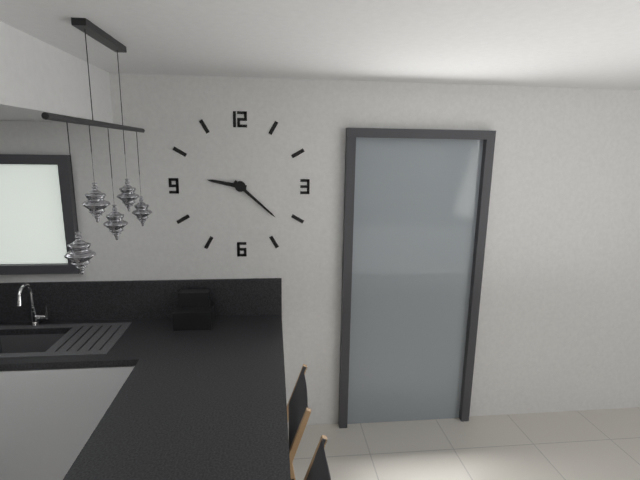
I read 9,22
